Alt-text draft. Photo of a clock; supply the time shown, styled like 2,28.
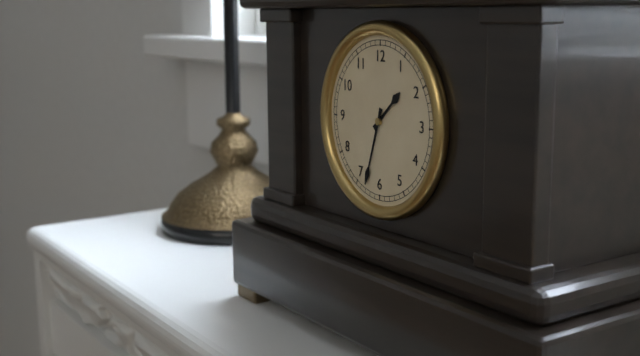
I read 1,33
